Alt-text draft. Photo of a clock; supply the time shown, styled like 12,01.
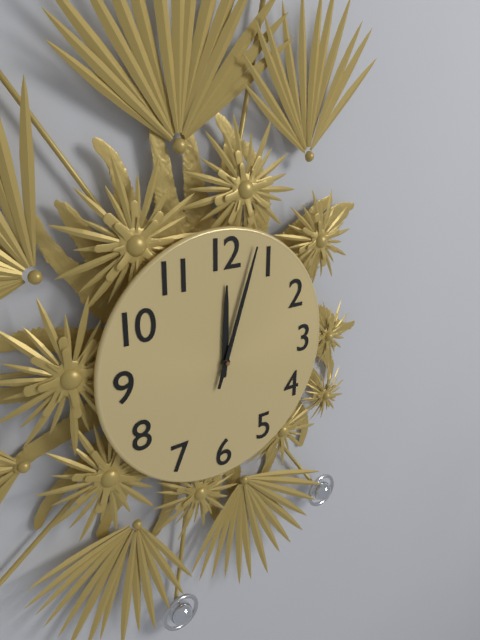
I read 12,03
